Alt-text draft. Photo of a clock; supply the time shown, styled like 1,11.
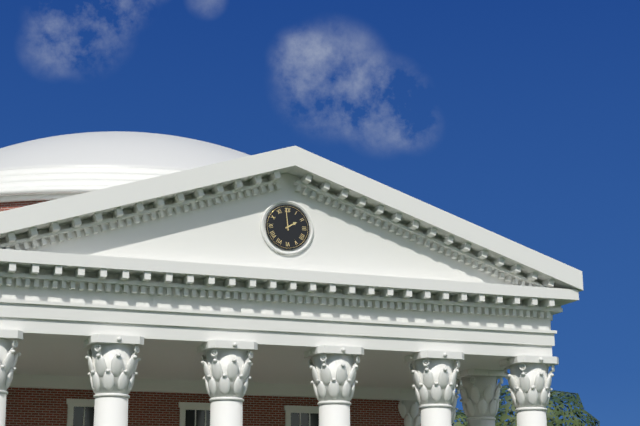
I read 1,59
